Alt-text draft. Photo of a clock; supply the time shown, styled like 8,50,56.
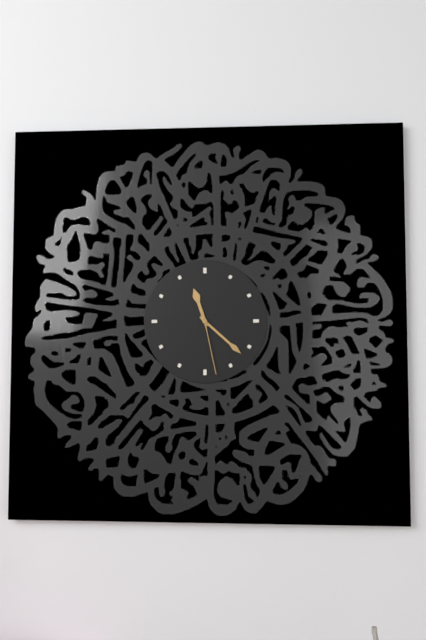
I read 11,22,28
